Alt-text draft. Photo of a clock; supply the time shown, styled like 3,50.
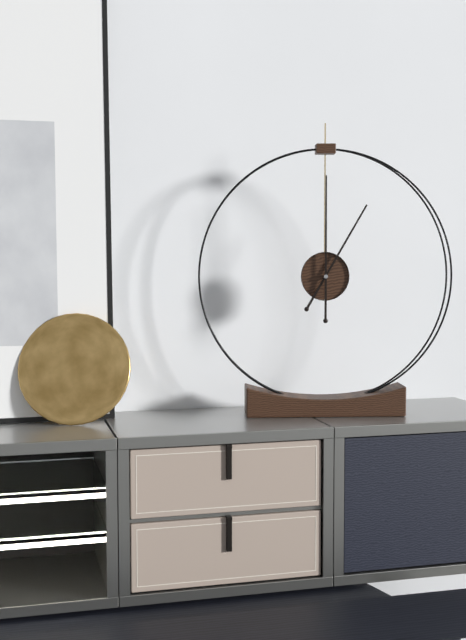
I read 1,00
